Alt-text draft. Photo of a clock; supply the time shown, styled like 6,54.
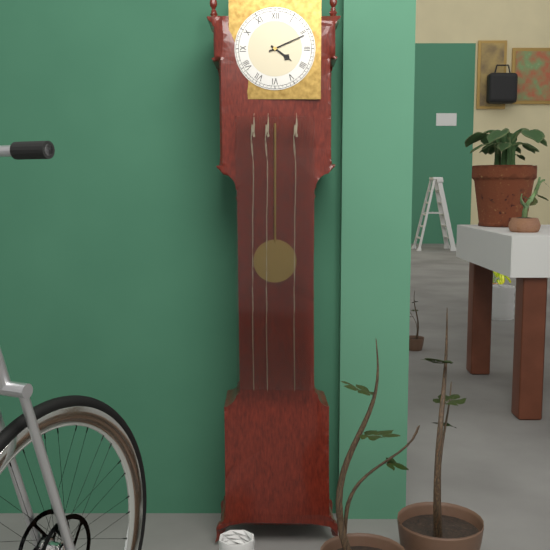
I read 4,11
